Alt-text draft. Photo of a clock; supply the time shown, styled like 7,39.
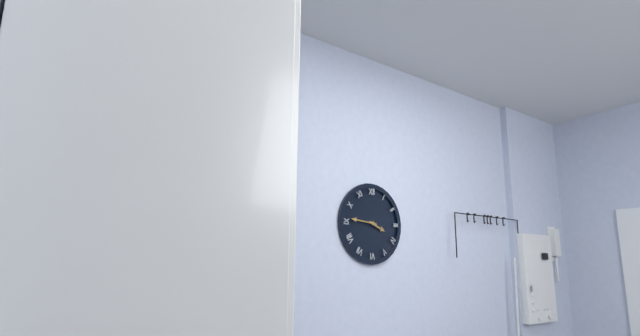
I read 3,46
